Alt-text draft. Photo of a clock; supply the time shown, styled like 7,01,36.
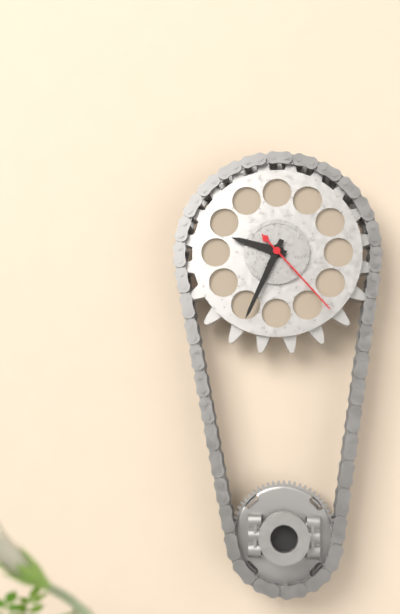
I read 9,34,23
